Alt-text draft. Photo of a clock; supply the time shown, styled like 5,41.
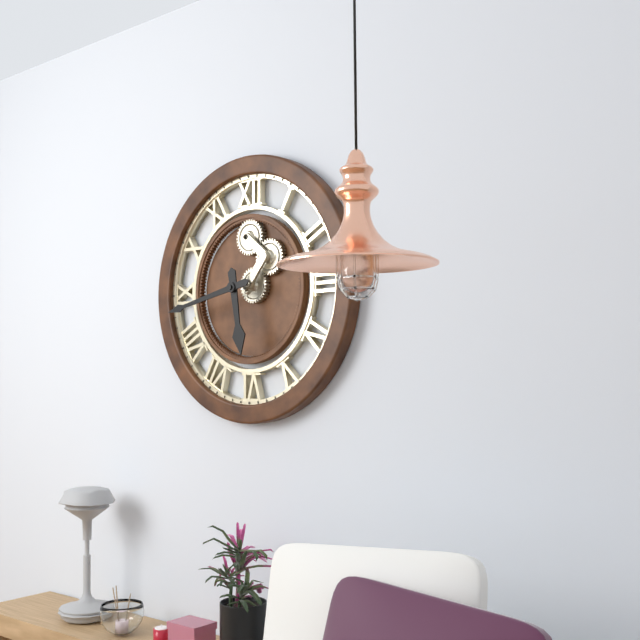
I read 5,43
